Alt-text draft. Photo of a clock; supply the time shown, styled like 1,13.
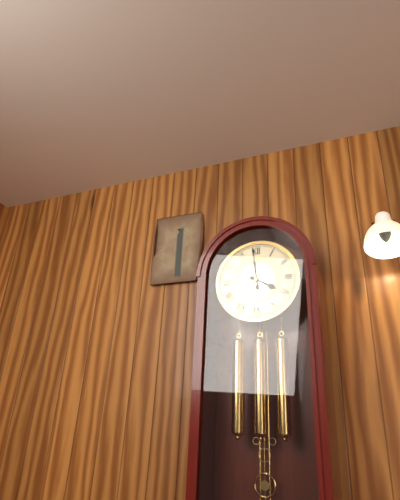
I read 3,59
